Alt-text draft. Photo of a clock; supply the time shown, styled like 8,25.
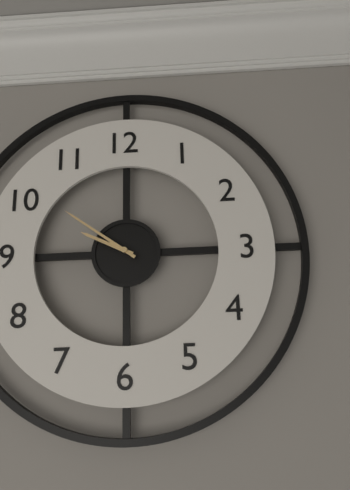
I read 9,51
